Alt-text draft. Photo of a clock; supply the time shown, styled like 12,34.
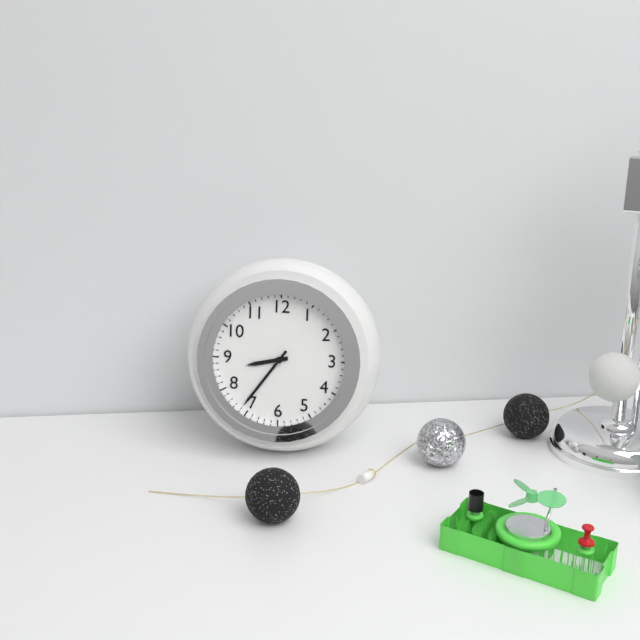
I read 8,36
